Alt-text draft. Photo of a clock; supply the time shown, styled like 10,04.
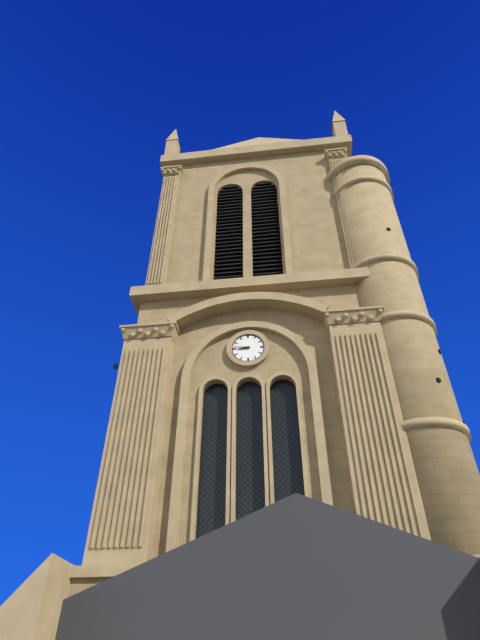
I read 8,46
